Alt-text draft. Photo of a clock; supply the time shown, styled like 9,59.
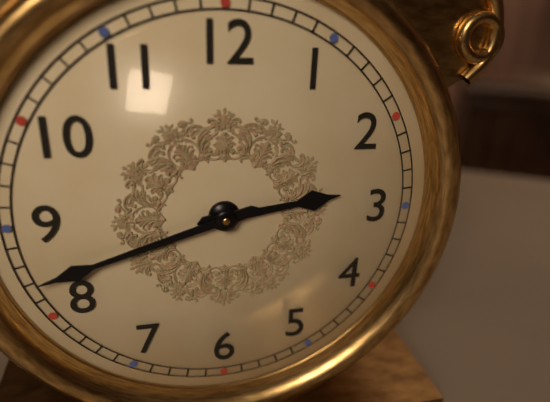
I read 2,42
